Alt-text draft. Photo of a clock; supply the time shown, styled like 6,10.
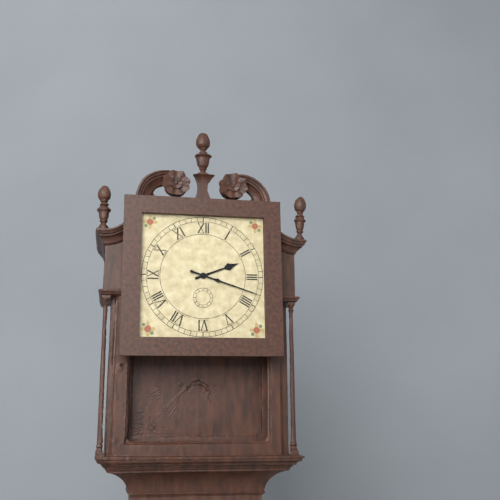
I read 2,18
